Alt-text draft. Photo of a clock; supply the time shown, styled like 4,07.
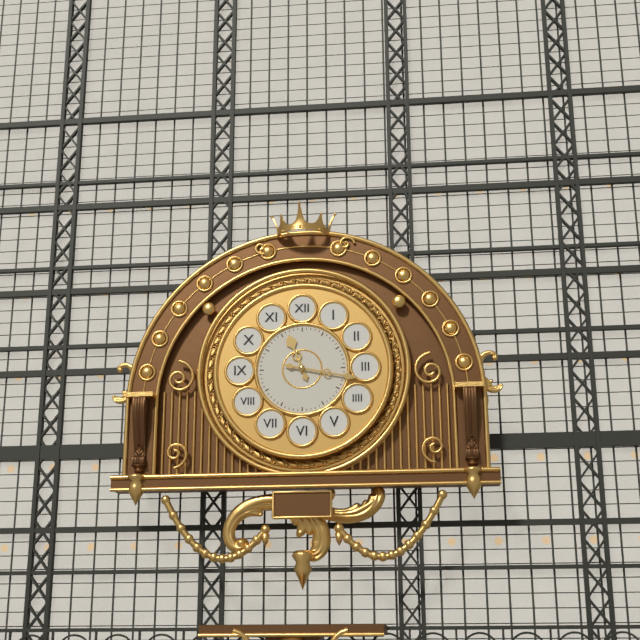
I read 11,17
